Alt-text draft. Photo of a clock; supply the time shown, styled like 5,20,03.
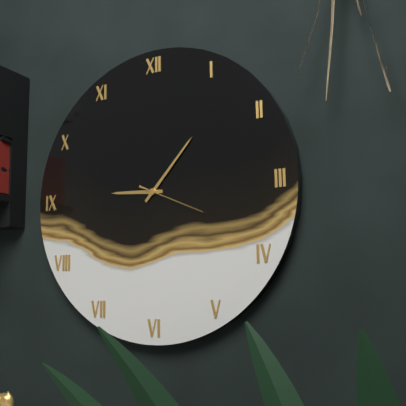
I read 9,07,19
